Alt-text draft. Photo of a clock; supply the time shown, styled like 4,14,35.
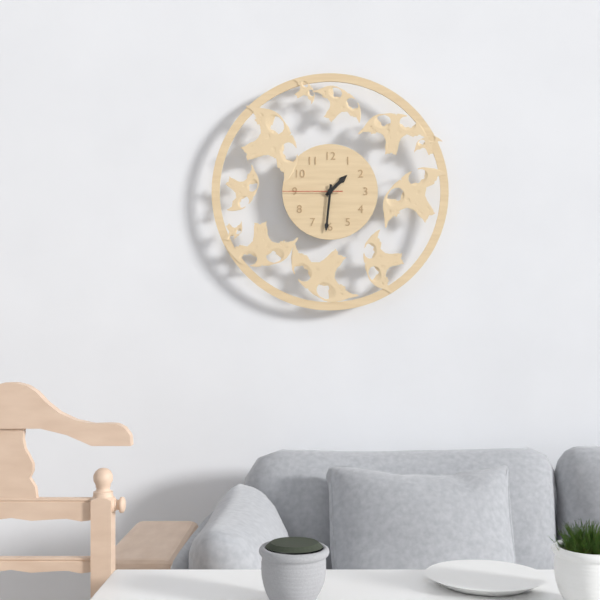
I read 1,31,45
